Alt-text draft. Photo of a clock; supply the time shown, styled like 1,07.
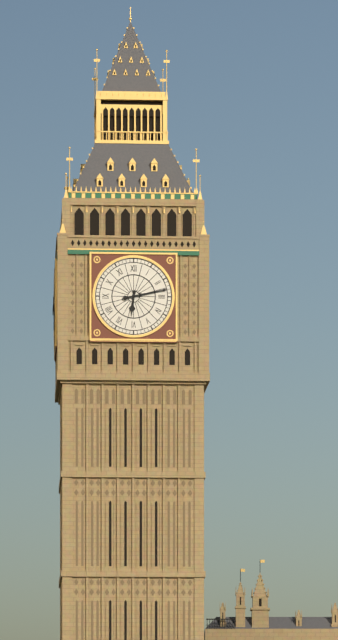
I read 6,13
